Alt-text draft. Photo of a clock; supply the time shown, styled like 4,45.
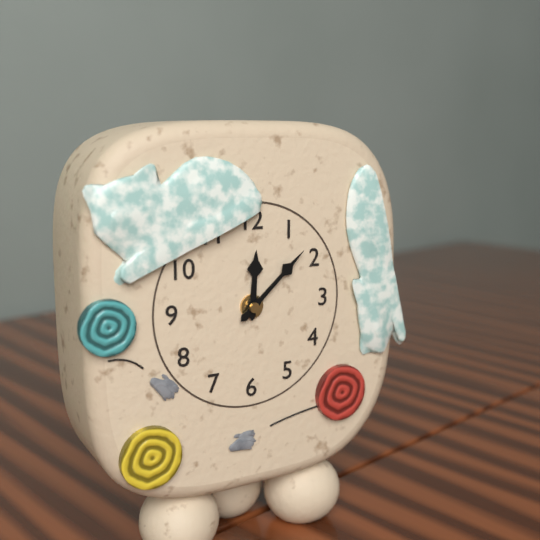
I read 12,08
